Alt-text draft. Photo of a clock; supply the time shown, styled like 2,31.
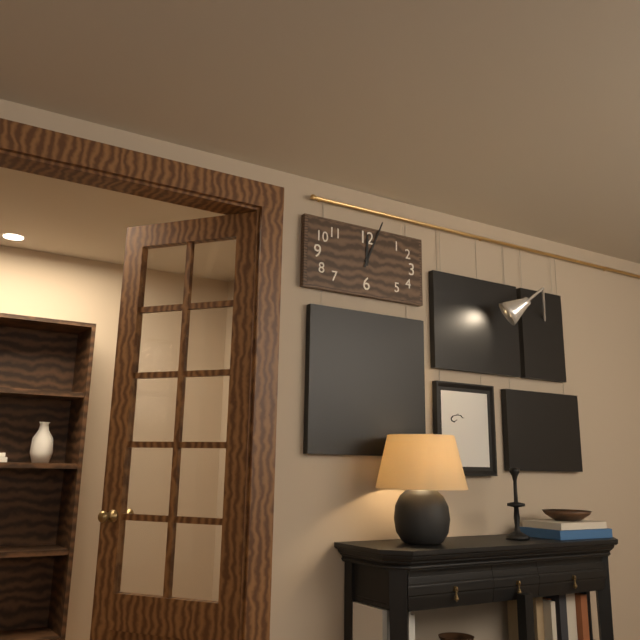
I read 12,04
